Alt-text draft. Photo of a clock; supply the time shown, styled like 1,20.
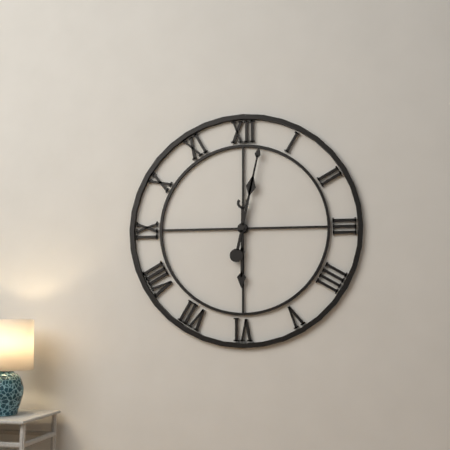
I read 6,02
